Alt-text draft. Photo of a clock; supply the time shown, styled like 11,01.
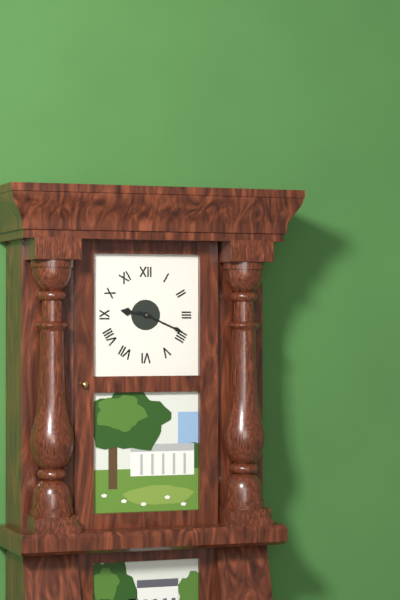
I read 9,19
